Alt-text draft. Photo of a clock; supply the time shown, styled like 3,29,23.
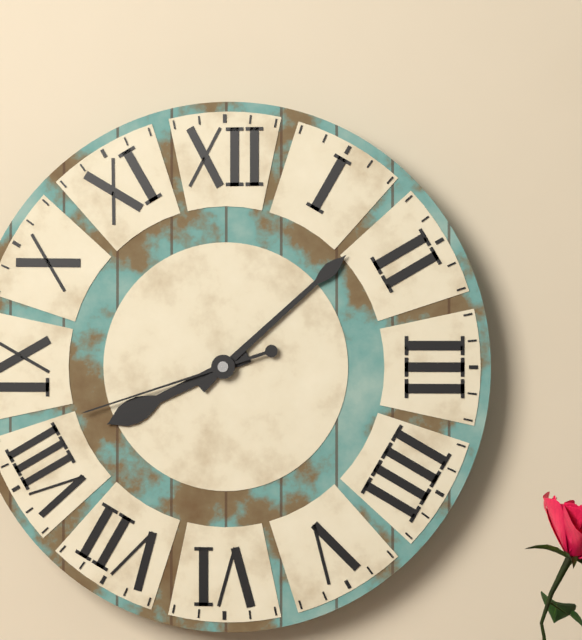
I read 8,08,42
